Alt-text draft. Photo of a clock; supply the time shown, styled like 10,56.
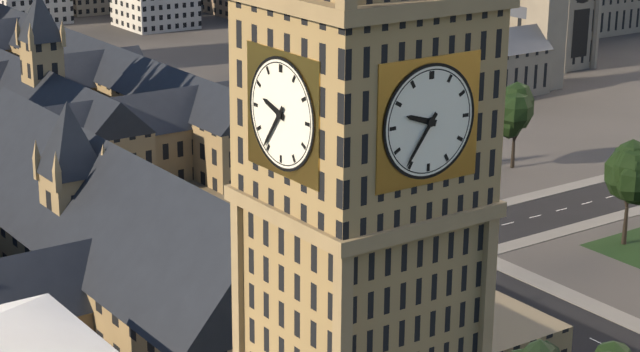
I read 9,36
